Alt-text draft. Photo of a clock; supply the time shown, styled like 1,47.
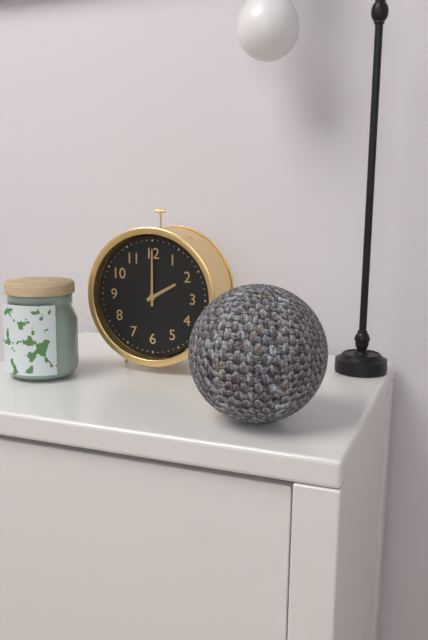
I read 2,00
